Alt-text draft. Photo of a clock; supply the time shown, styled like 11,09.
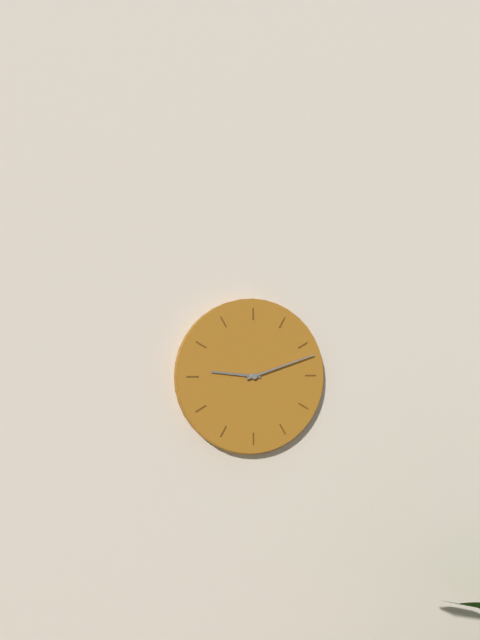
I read 9,12
